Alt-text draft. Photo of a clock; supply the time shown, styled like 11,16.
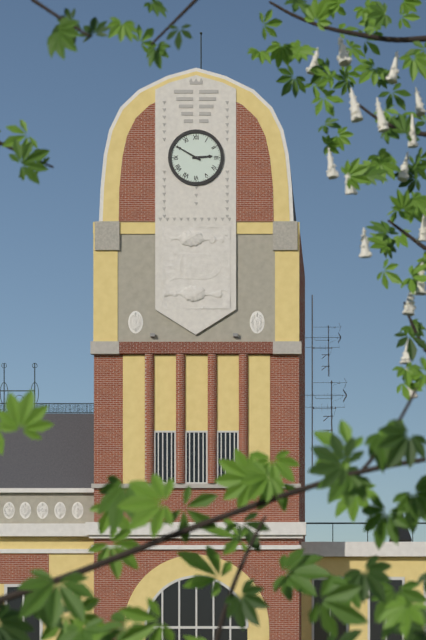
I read 2,50
